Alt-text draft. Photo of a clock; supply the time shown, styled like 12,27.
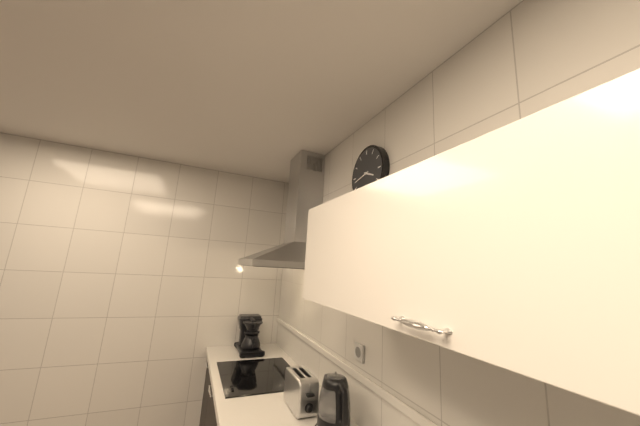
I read 3,43
